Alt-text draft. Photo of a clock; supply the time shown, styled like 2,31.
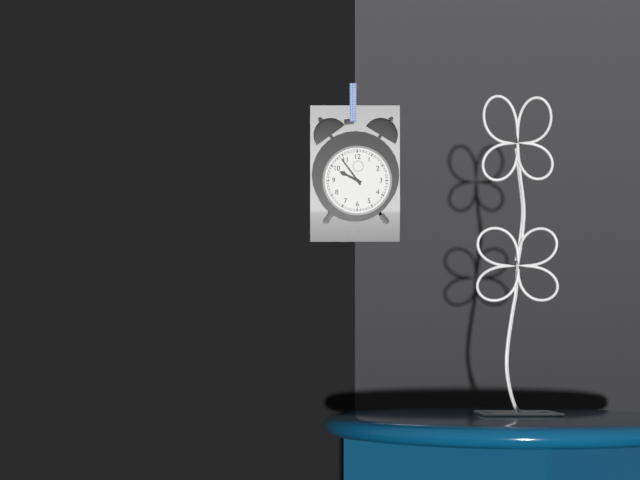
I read 9,54
